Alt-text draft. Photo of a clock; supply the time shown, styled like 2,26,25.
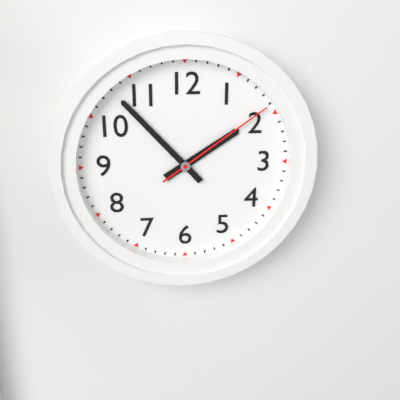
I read 1,53,09
